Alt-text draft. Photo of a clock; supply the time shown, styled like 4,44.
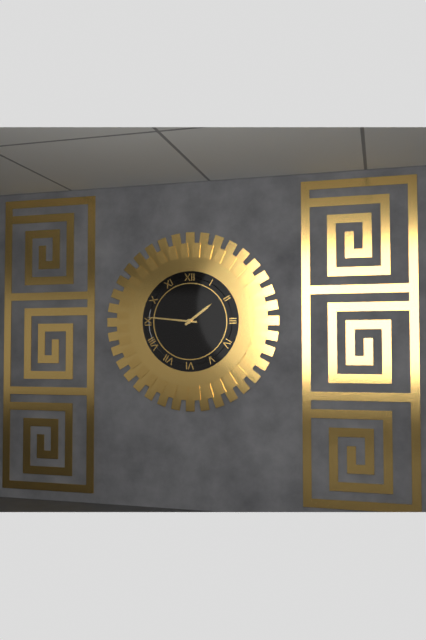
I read 1,46
